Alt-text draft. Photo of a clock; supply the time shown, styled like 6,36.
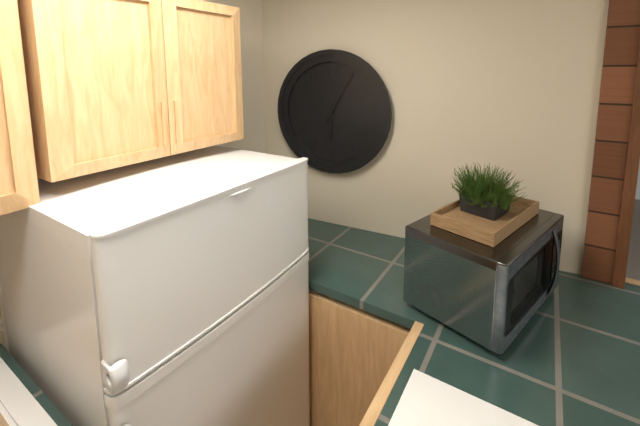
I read 6,05
